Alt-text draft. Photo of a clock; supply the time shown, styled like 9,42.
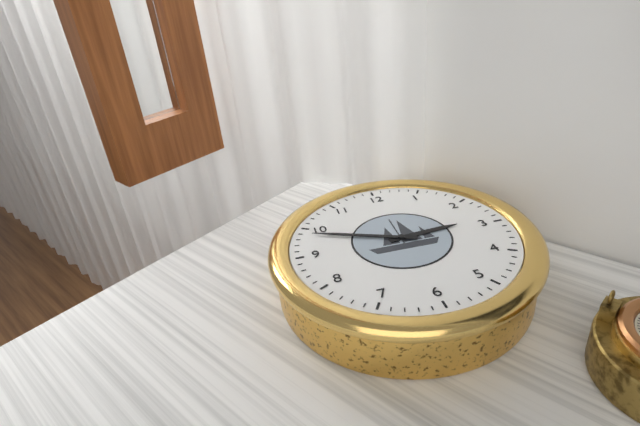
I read 2,49
